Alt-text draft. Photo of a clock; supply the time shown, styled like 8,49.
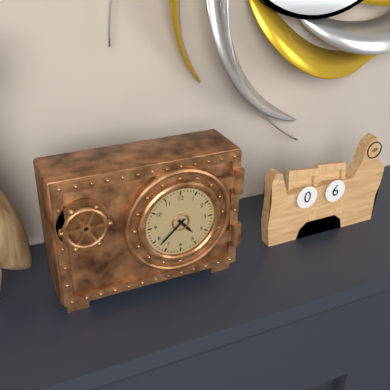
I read 4,38
